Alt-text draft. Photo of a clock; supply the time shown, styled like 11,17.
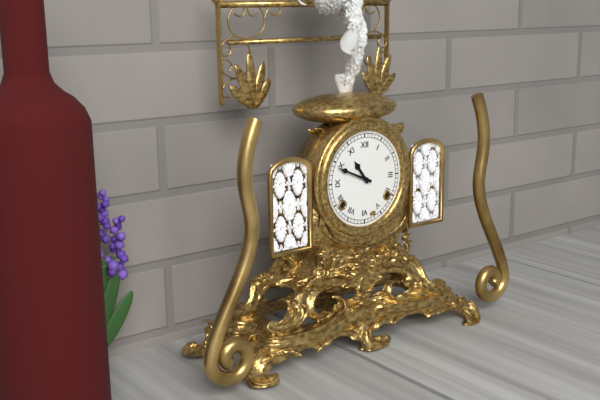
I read 10,49
